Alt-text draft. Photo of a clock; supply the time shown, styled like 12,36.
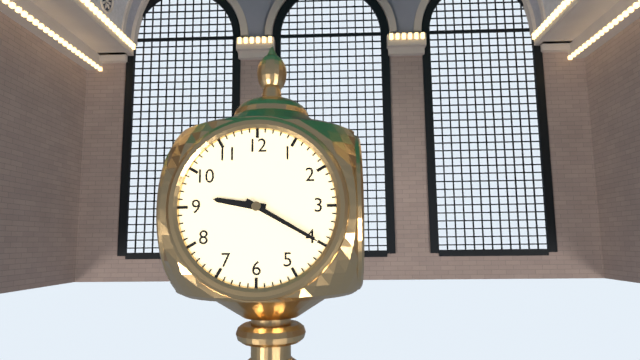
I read 9,20
